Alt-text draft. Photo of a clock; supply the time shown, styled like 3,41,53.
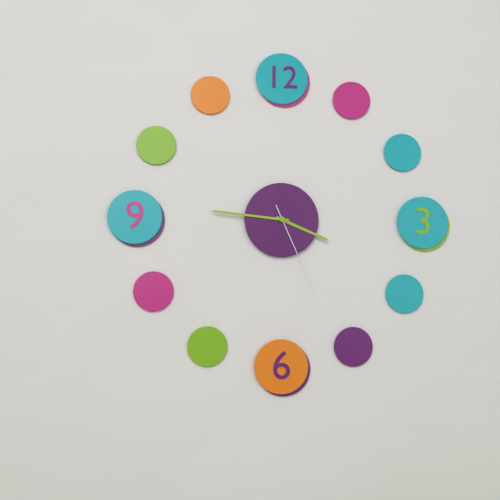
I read 3,46,26
